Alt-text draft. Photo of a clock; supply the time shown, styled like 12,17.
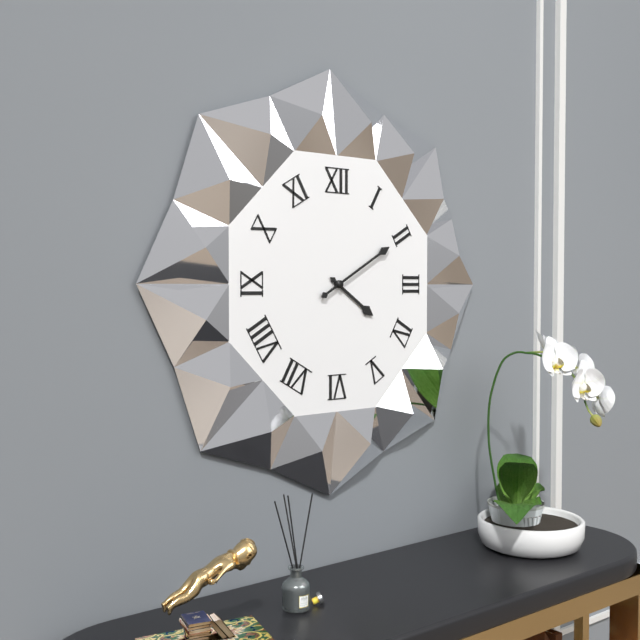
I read 4,10
